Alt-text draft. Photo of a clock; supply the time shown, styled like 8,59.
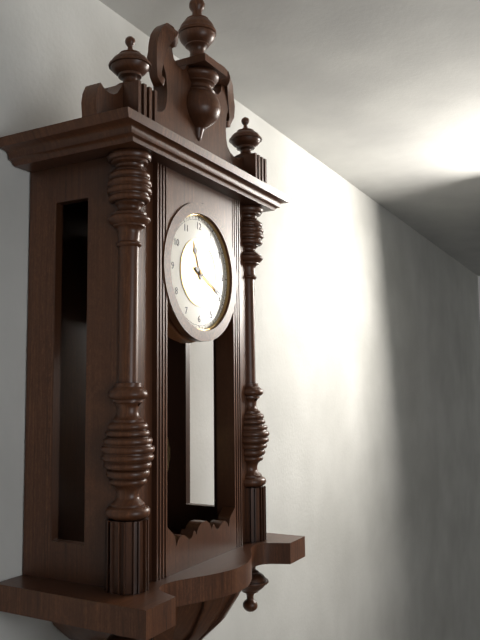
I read 11,19
